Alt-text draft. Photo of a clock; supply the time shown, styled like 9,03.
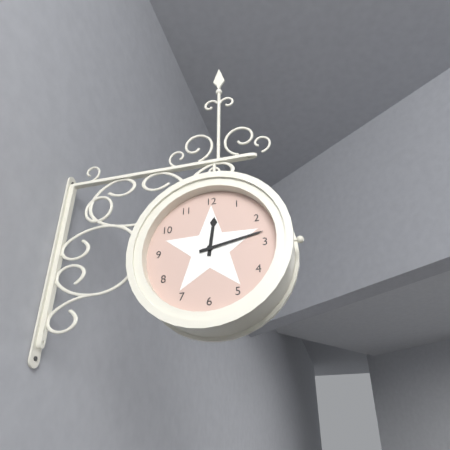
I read 12,13
